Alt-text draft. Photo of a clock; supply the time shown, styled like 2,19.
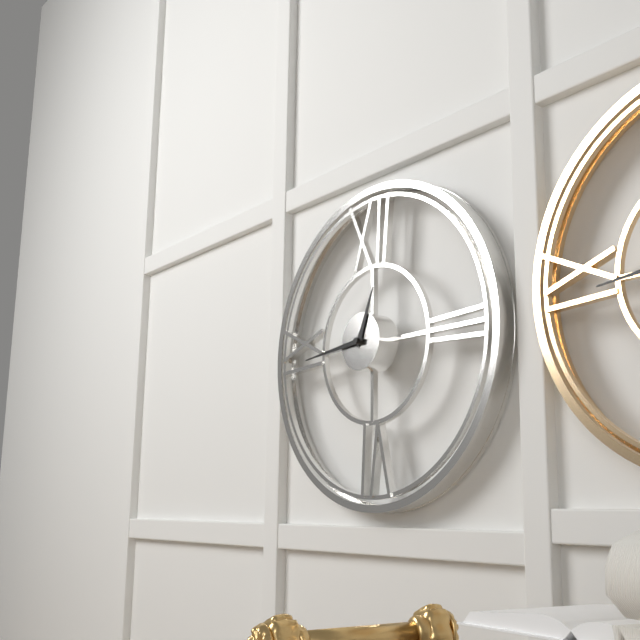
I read 12,44
